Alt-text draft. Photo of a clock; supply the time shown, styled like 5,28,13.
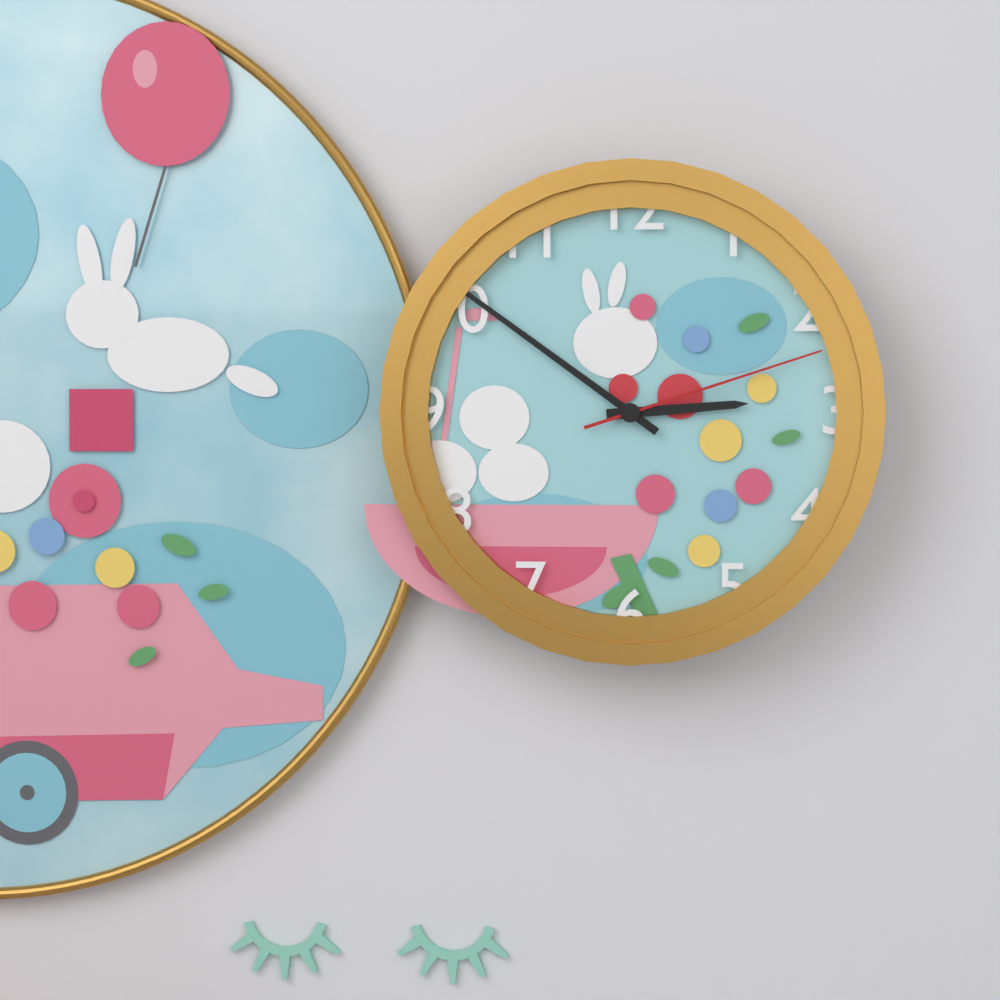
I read 2,51,12
